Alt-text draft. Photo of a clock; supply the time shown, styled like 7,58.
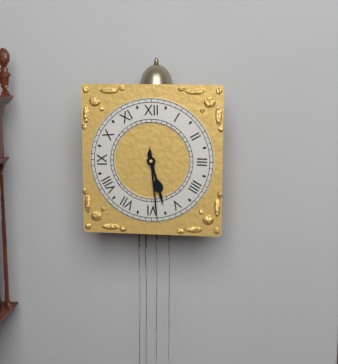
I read 5,29
